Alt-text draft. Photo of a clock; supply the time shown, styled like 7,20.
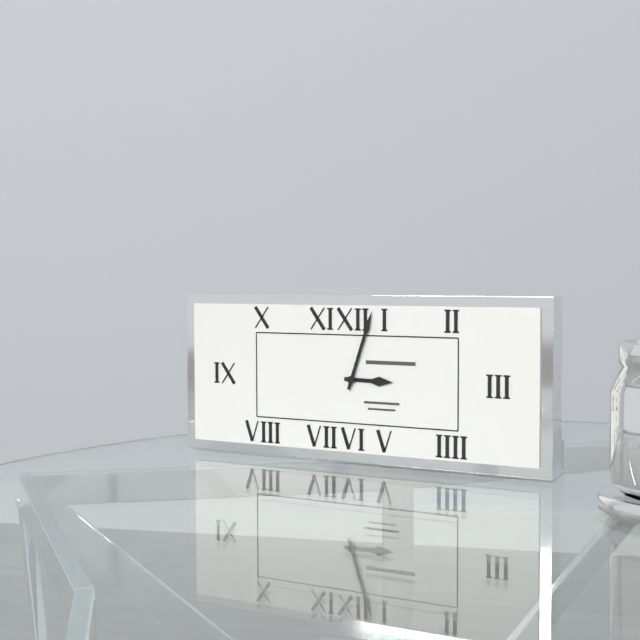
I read 3,03
